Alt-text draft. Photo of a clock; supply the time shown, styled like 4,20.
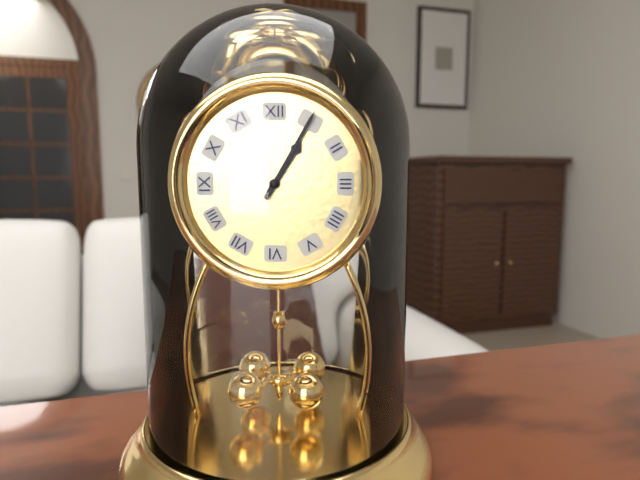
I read 1,05
